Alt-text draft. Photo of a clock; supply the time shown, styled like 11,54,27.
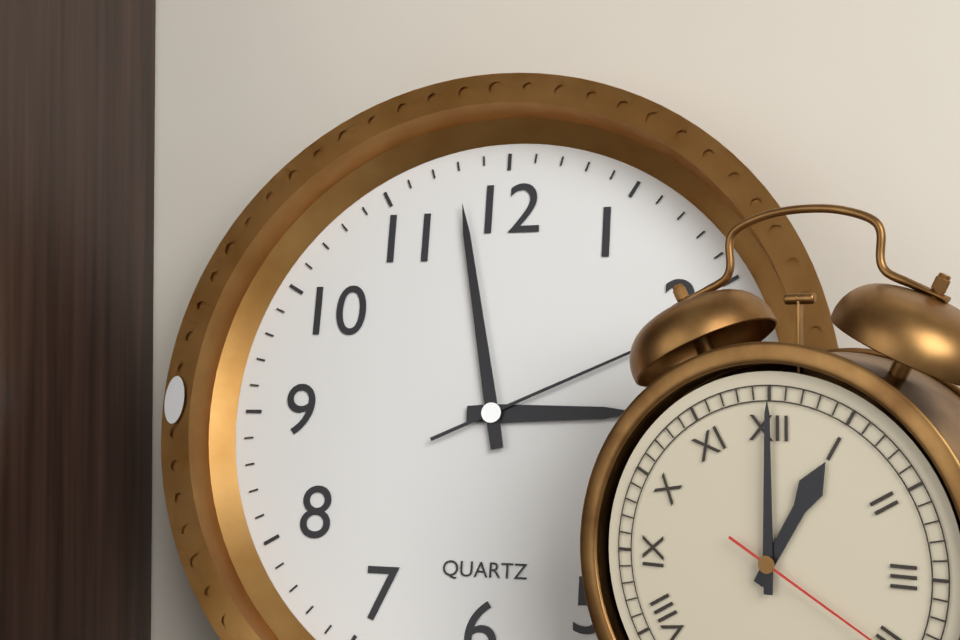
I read 2,58,11
